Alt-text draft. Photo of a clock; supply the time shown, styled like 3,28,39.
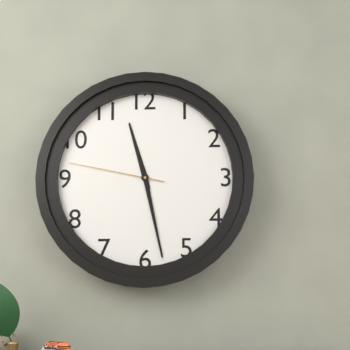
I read 11,28,47
